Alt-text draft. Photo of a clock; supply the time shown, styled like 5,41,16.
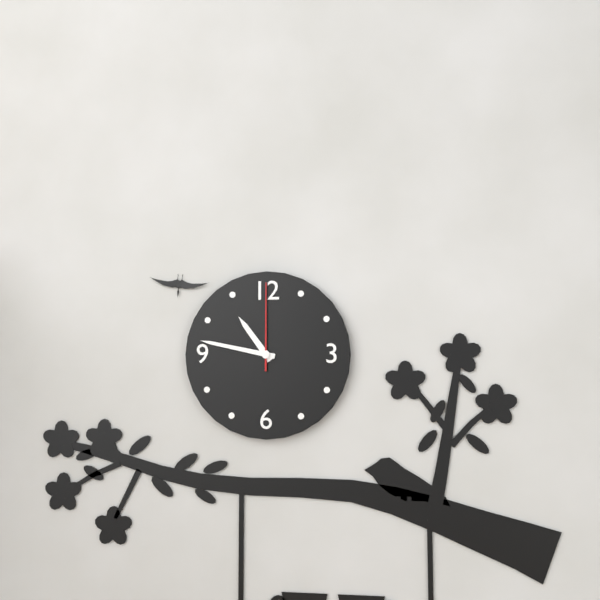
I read 10,47,00
